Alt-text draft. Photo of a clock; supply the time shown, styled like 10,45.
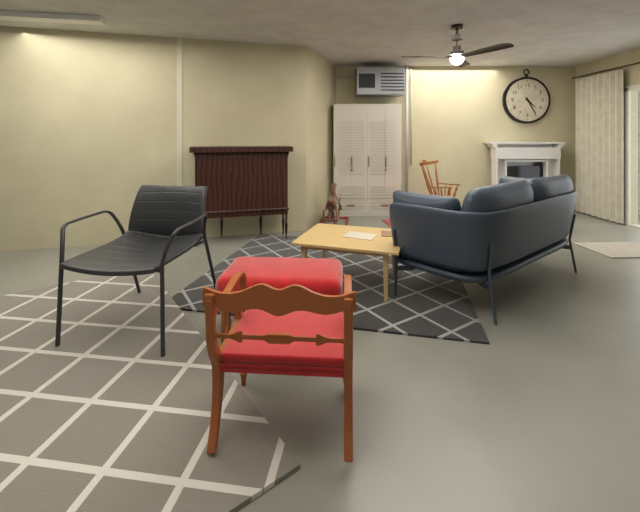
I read 4,25
